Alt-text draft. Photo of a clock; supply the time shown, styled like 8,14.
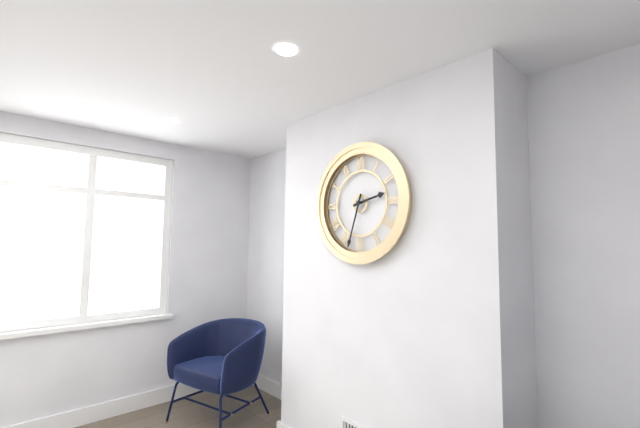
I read 2,33
